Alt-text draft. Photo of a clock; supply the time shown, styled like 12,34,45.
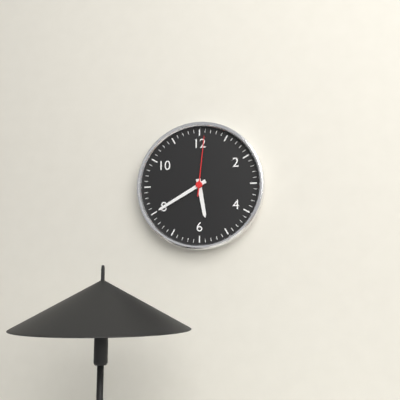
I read 5,40,01
